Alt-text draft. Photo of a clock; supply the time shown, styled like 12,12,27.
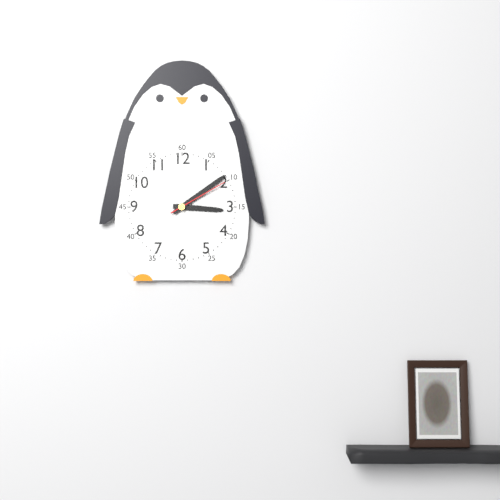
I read 3,09,10
